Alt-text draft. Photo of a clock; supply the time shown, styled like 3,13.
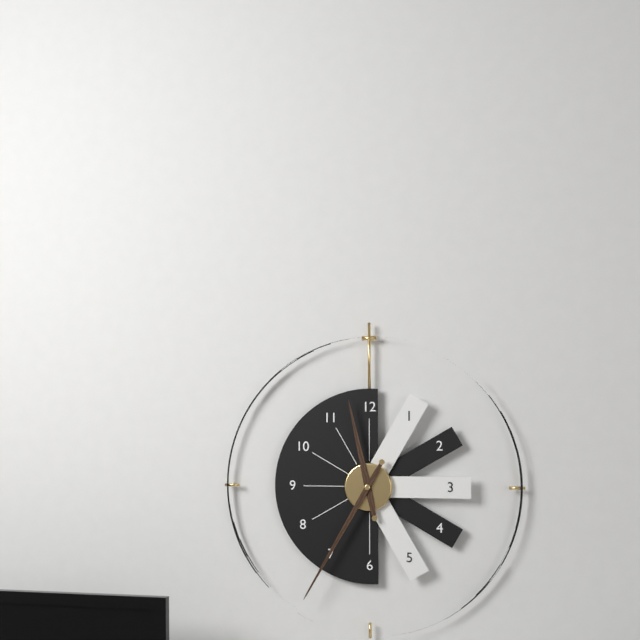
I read 11,35
